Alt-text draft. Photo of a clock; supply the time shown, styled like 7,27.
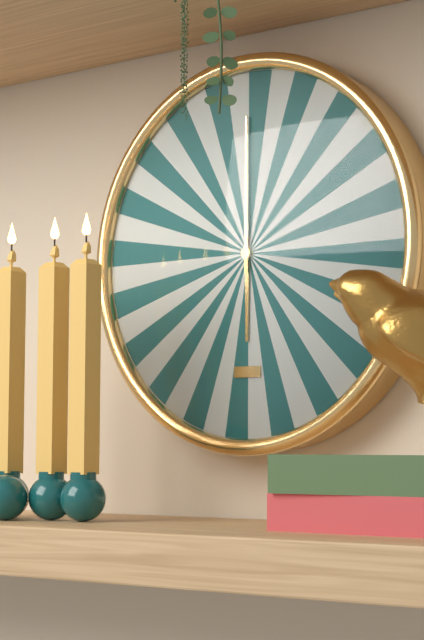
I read 6,00
